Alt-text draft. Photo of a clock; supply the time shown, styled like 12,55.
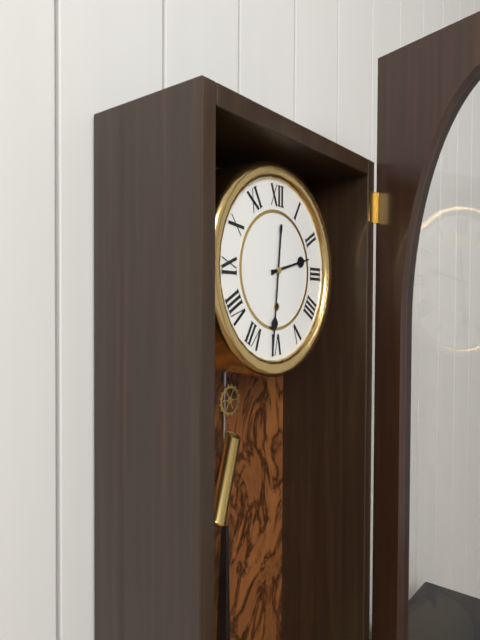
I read 2,31
